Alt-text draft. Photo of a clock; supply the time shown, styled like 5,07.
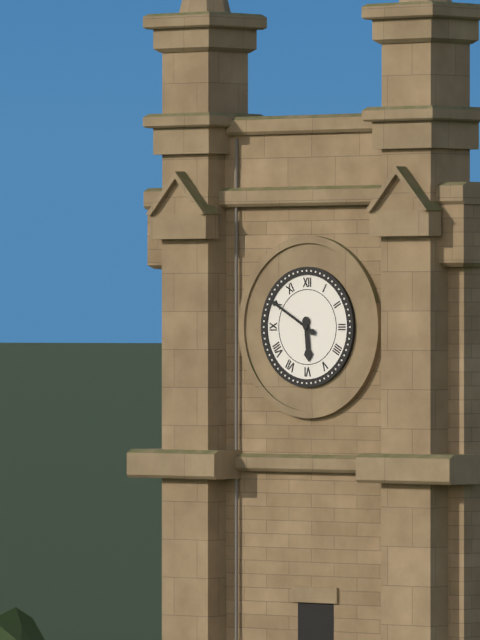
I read 5,50
